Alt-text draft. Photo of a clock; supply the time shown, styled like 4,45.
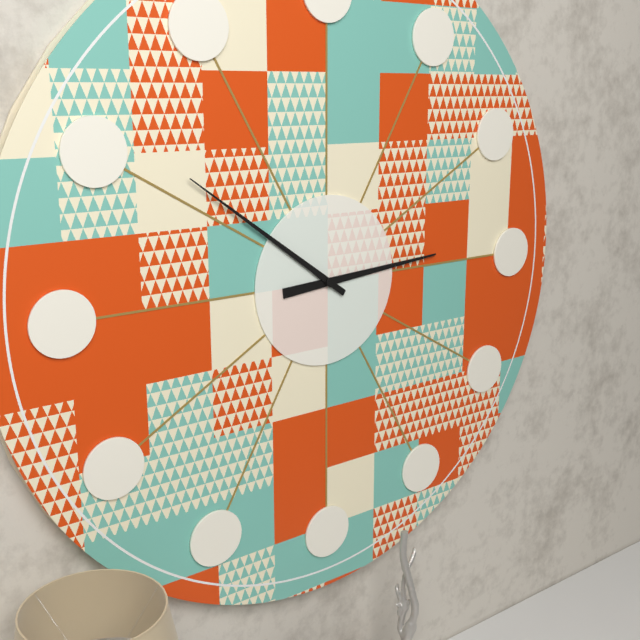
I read 2,51
